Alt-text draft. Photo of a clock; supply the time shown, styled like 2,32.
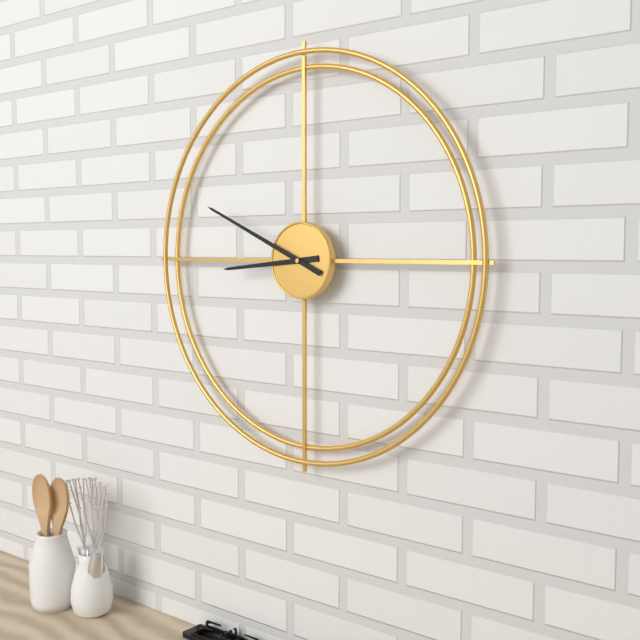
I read 8,49
